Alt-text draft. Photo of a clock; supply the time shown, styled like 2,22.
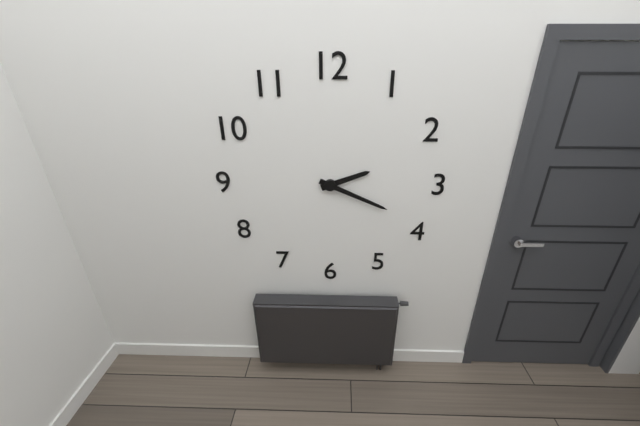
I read 2,19
